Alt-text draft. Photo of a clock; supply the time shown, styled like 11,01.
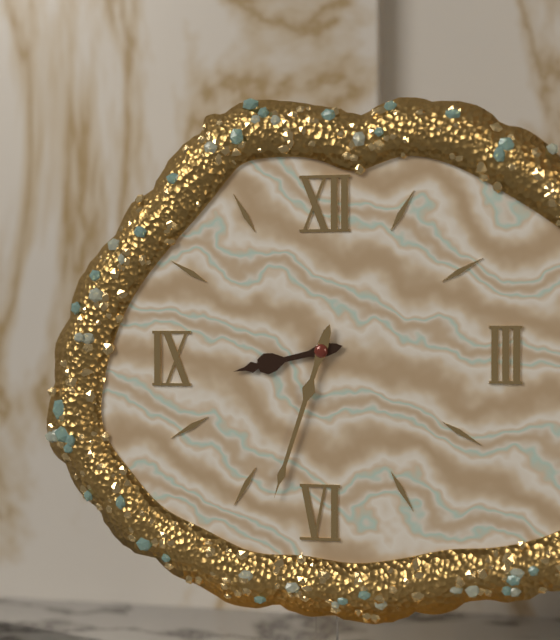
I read 8,33
